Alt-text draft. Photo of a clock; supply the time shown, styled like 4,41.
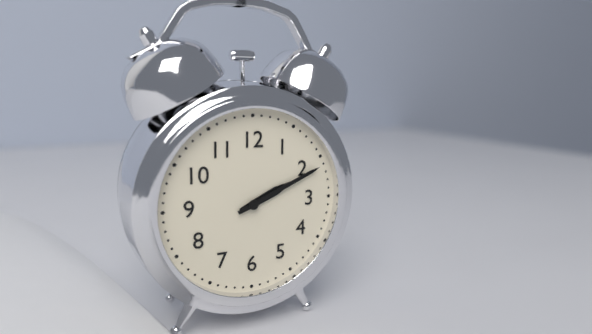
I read 2,11
